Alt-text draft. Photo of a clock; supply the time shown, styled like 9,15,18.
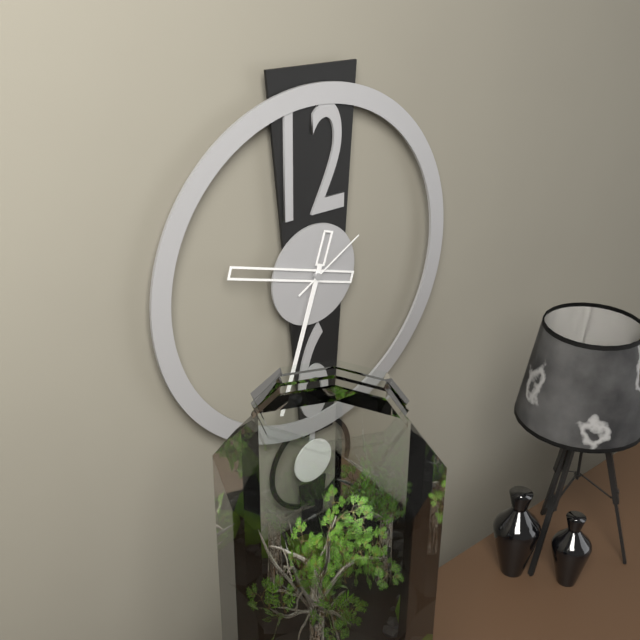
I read 9,33,10
